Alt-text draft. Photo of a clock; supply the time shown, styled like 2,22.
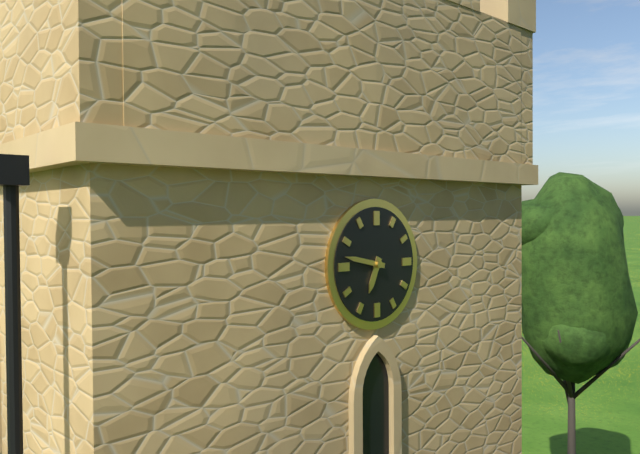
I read 6,47
